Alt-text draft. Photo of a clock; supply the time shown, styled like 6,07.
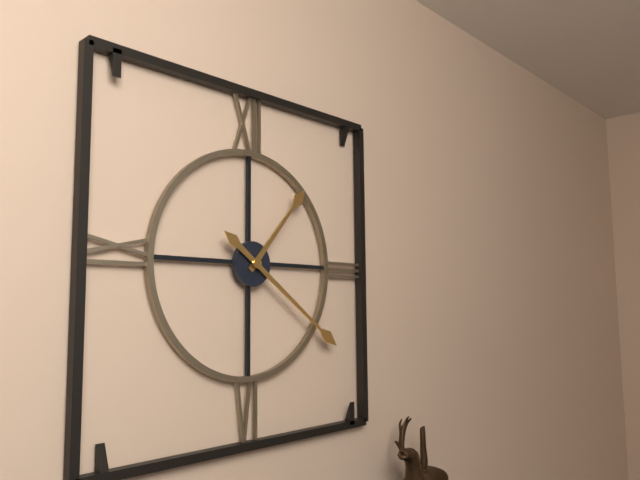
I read 1,21
